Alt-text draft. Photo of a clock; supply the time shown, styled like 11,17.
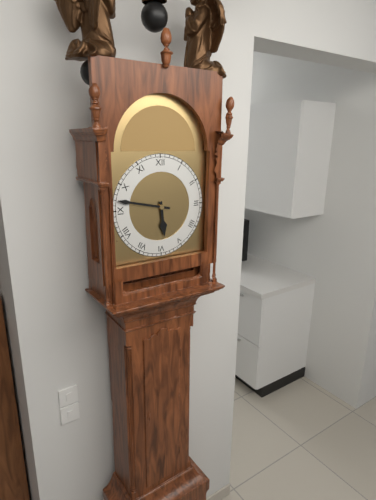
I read 5,47
